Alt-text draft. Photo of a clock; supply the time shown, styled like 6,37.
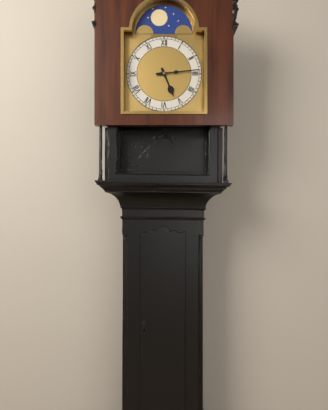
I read 5,14
